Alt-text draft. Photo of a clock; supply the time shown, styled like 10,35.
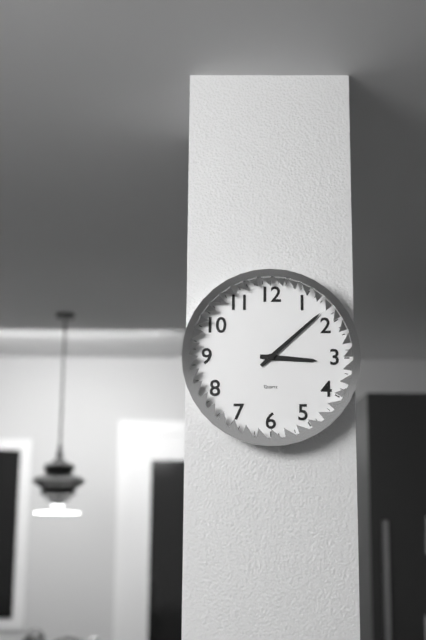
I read 3,08
